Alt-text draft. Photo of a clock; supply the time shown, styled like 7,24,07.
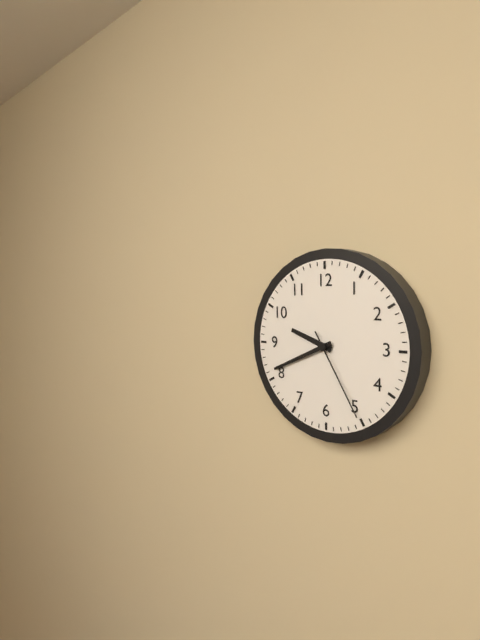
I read 9,41,25
